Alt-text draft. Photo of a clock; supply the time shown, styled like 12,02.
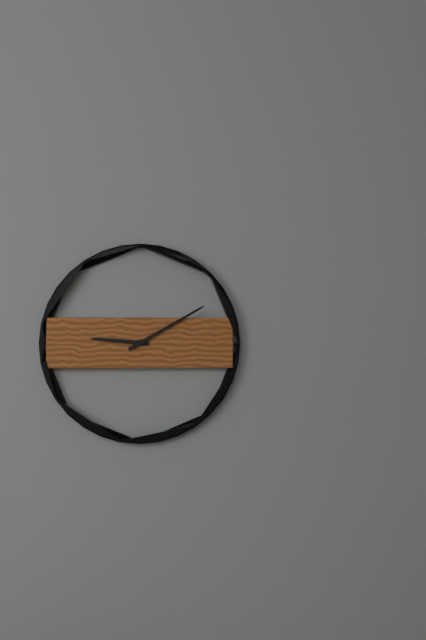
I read 9,10
